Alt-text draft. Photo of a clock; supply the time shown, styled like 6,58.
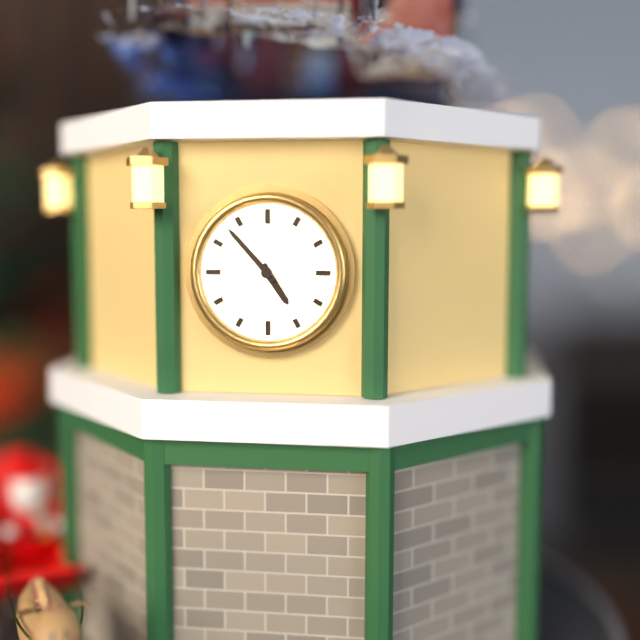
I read 4,53
